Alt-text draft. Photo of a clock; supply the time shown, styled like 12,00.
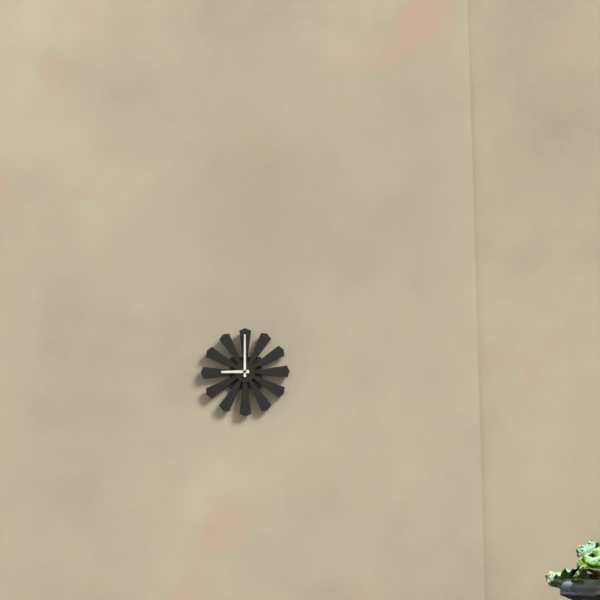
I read 9,00
